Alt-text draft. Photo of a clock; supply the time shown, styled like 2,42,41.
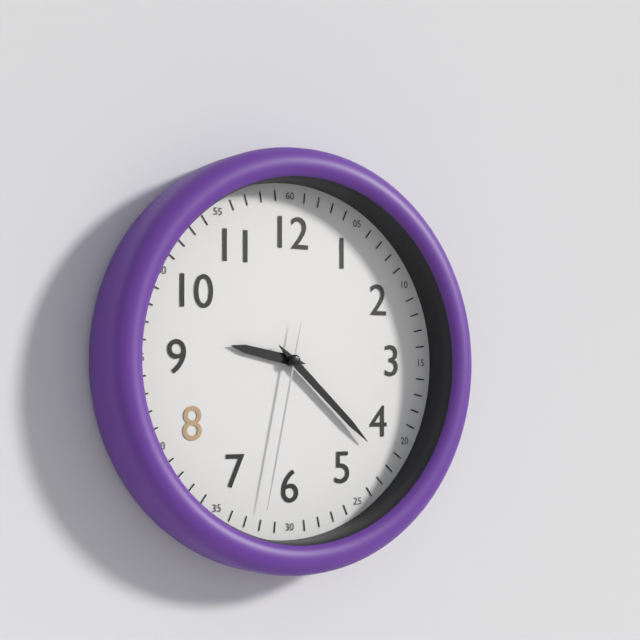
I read 9,22,32
